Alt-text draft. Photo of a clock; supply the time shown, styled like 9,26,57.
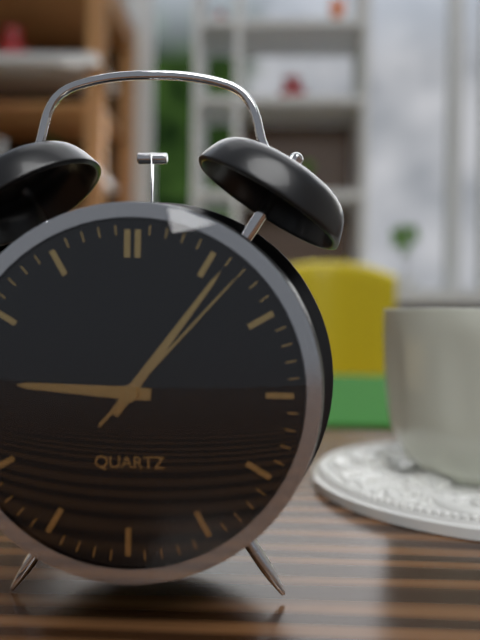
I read 9,06,07
